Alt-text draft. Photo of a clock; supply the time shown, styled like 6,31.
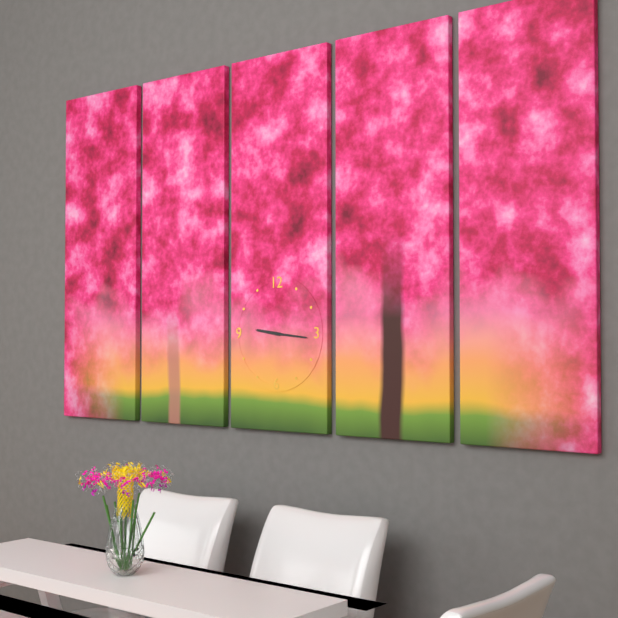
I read 9,16
